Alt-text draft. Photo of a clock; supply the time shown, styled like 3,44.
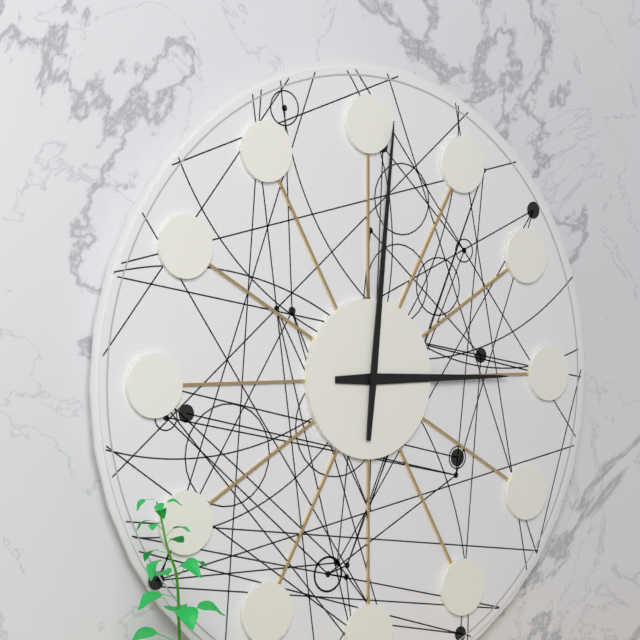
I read 3,01
